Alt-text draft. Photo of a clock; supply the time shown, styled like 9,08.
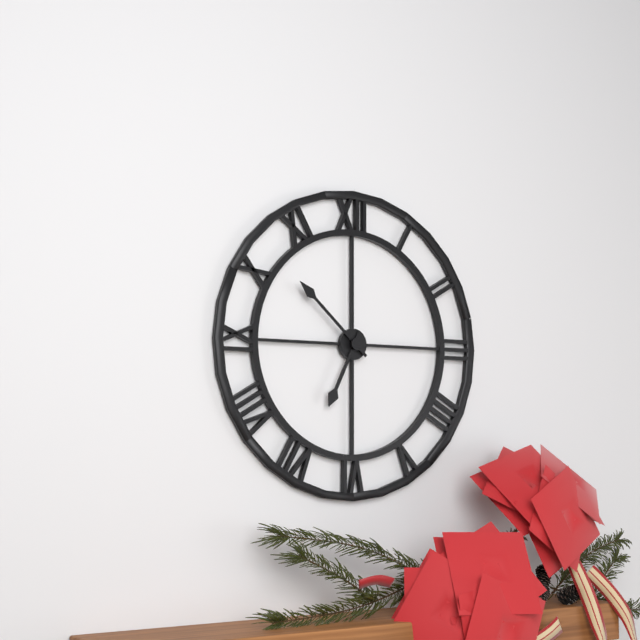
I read 6,52
